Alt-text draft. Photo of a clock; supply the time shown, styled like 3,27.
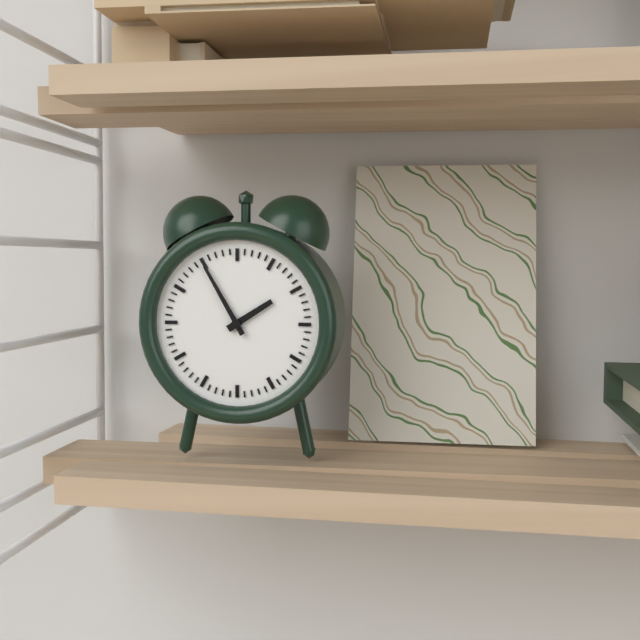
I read 1,55
